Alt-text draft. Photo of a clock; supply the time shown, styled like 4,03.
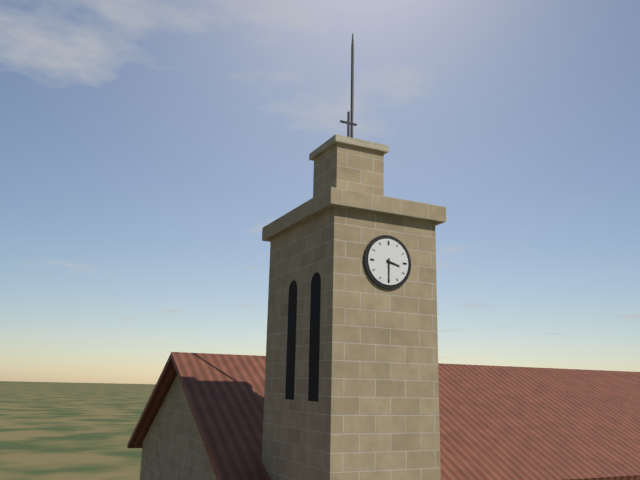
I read 3,30
